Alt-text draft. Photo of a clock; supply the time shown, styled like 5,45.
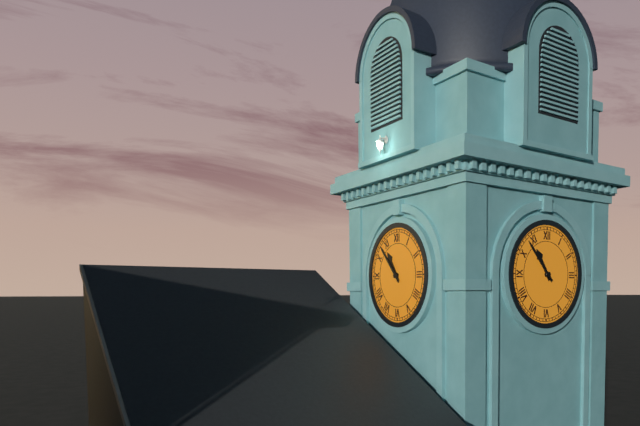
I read 10,53
